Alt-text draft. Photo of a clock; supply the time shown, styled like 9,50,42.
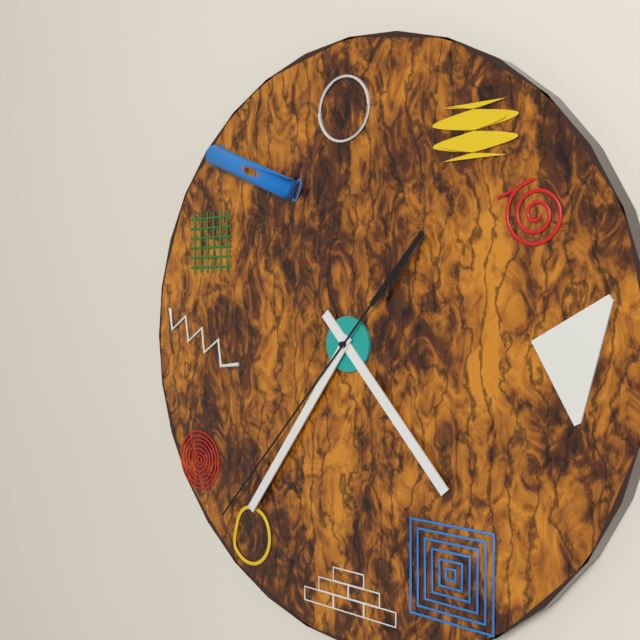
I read 4,36,37
